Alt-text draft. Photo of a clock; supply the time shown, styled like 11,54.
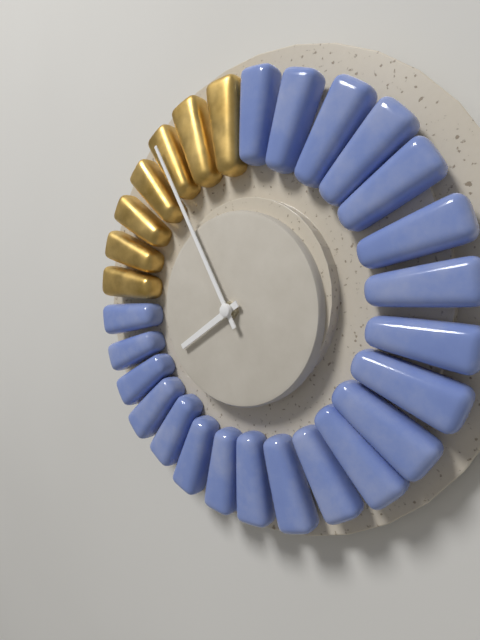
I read 7,55
